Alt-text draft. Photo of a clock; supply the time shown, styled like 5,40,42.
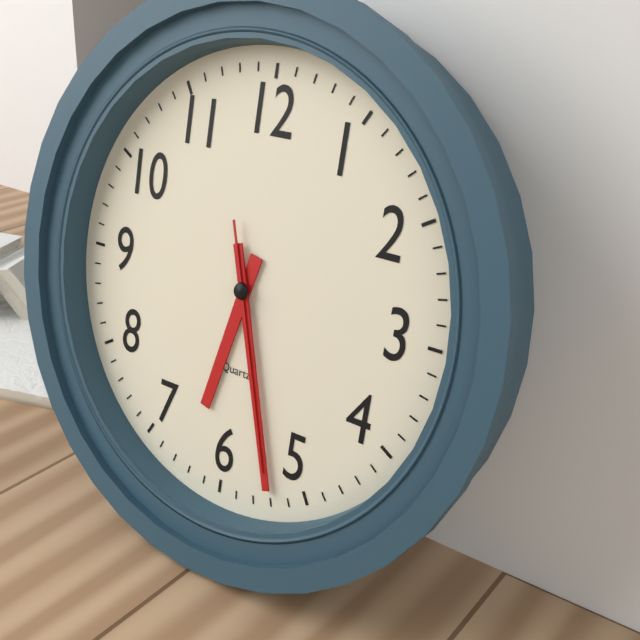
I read 6,27,27
